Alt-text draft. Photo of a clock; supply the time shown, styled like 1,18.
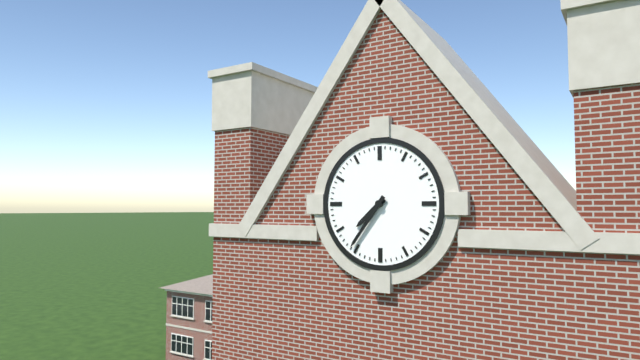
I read 7,36
